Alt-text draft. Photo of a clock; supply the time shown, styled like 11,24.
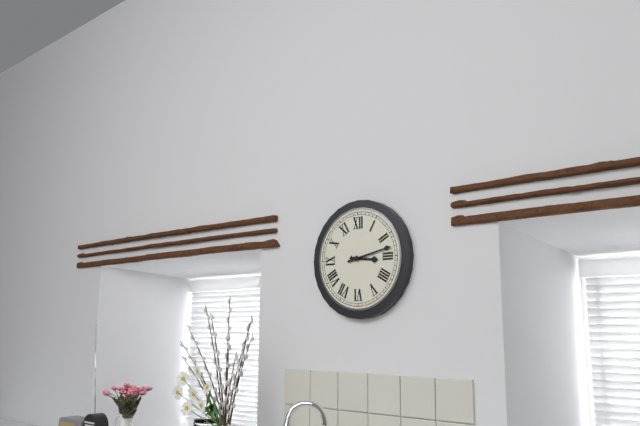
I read 3,13
